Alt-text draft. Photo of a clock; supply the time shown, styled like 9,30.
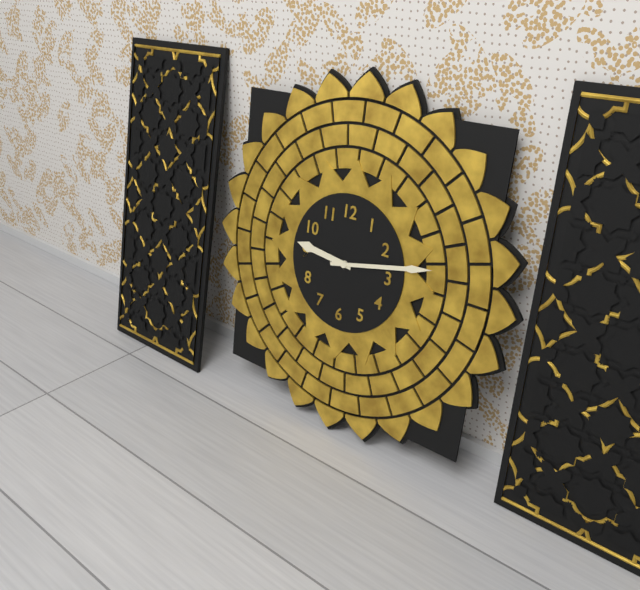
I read 9,13
